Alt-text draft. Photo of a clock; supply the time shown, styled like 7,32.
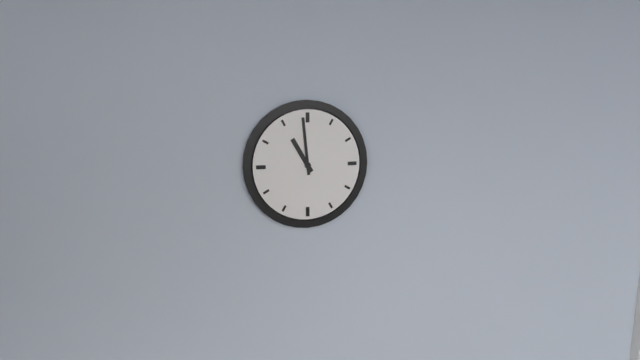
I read 10,59
